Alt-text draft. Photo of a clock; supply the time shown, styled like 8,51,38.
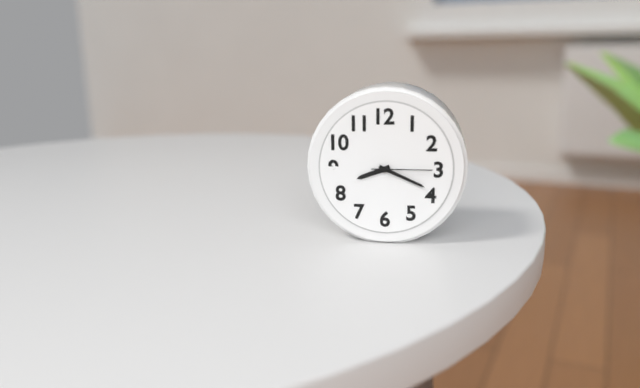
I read 8,19,15
